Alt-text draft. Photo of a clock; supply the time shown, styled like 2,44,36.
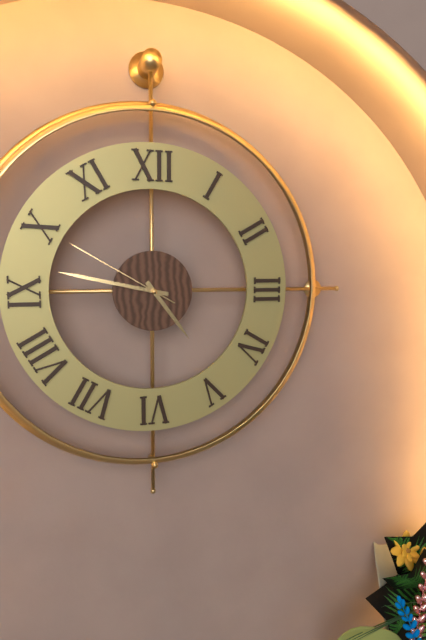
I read 4,47,50
